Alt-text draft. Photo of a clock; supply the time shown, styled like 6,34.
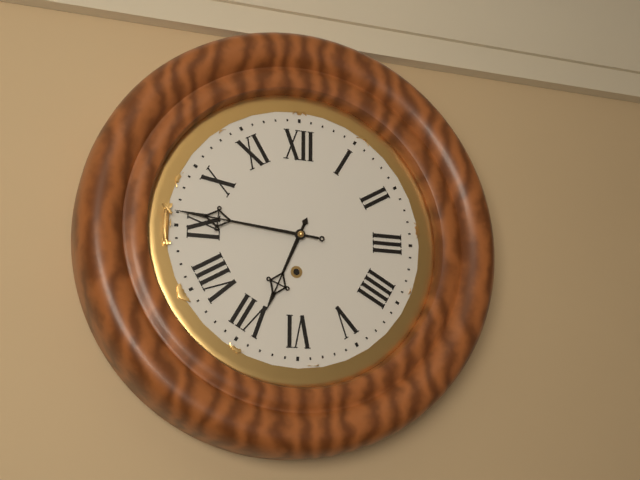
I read 6,46
